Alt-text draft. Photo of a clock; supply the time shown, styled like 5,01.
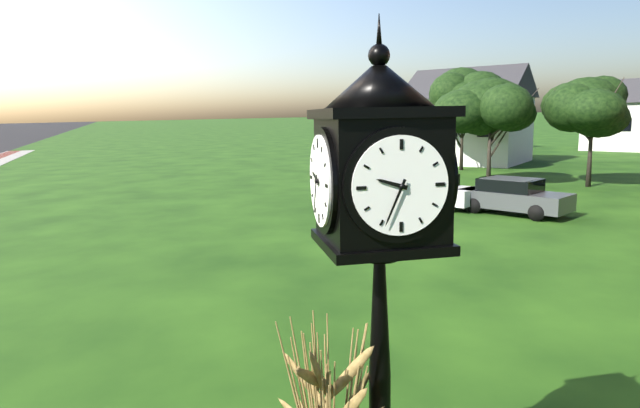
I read 9,34
